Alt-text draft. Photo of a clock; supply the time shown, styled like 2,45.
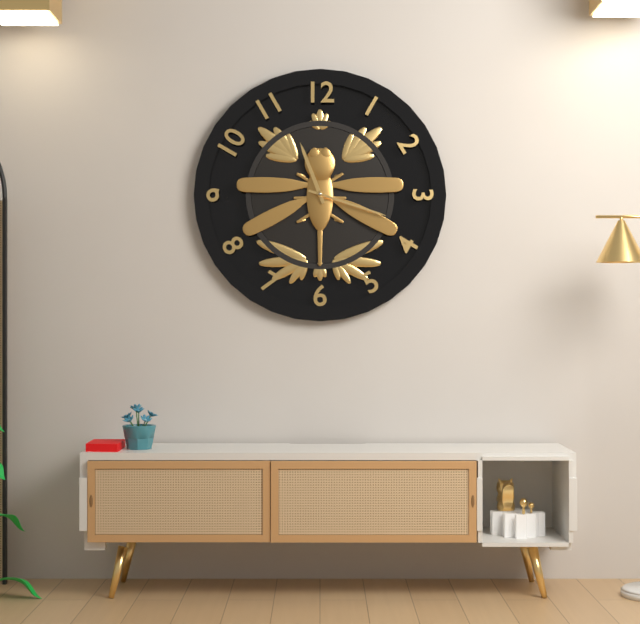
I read 11,18
